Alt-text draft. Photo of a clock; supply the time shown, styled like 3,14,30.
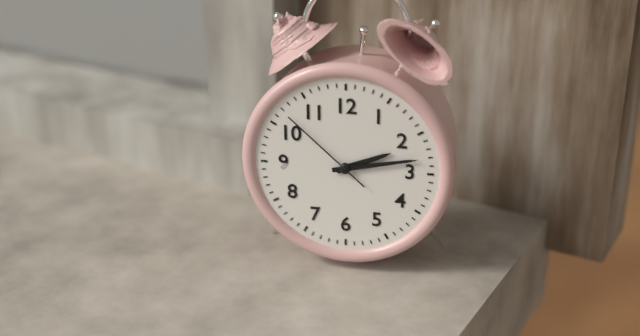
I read 2,13,52
